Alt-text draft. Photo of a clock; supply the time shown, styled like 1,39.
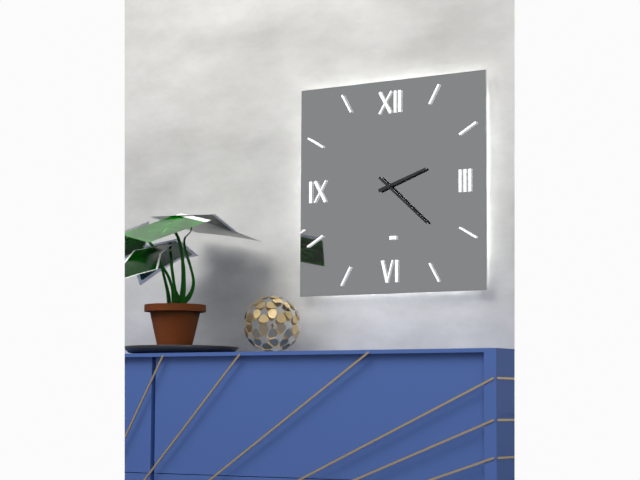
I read 2,22
